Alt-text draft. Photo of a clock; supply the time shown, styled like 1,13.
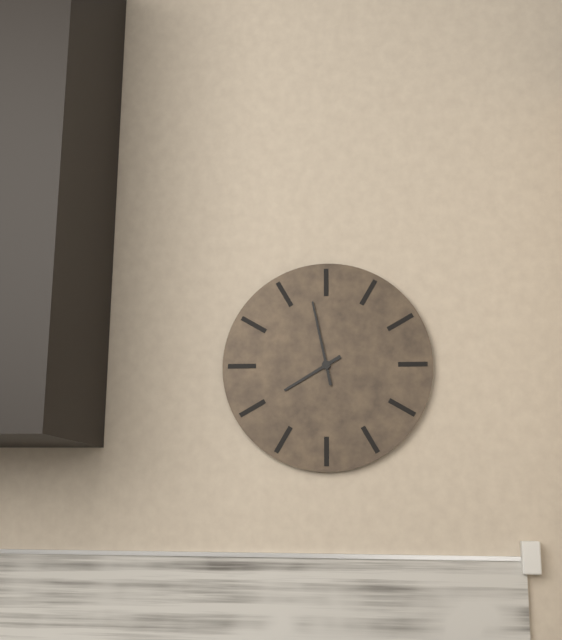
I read 7,58
